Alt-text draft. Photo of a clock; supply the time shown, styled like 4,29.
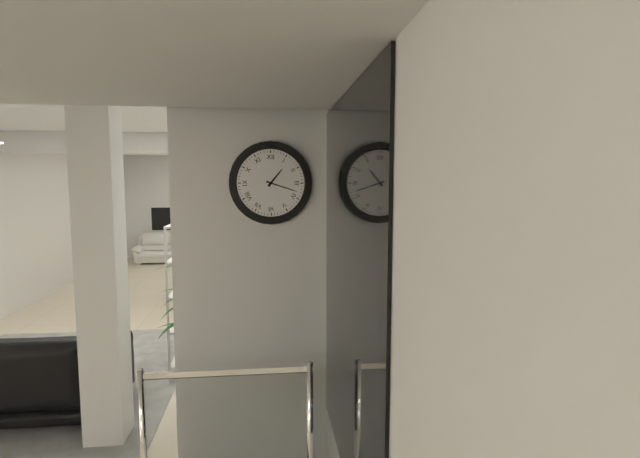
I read 1,18
